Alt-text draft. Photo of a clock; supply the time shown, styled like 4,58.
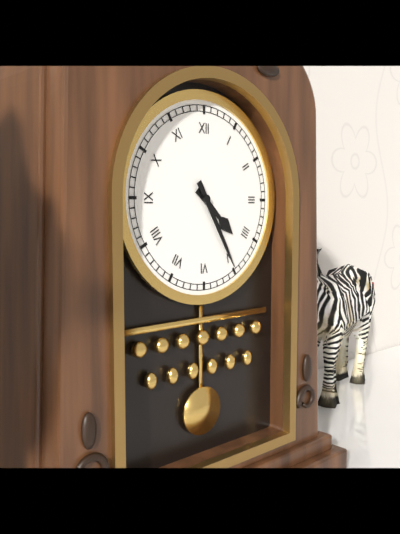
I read 4,25
